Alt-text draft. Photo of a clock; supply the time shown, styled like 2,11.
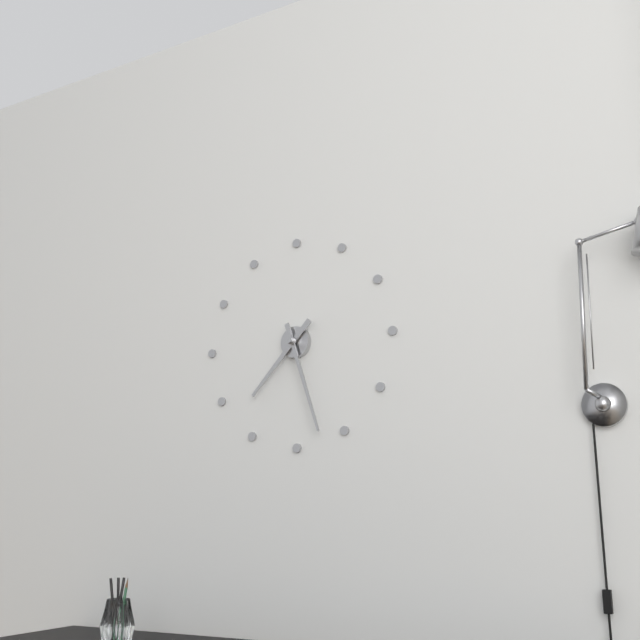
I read 7,27
